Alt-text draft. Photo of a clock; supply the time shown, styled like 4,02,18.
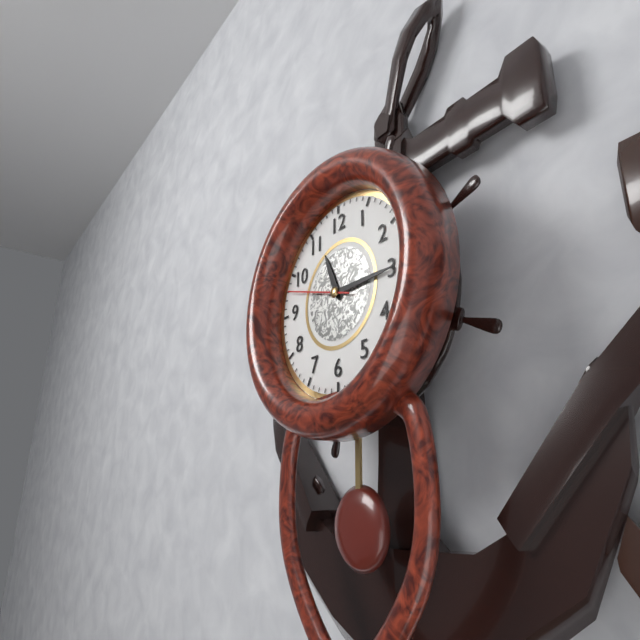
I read 11,15,48
